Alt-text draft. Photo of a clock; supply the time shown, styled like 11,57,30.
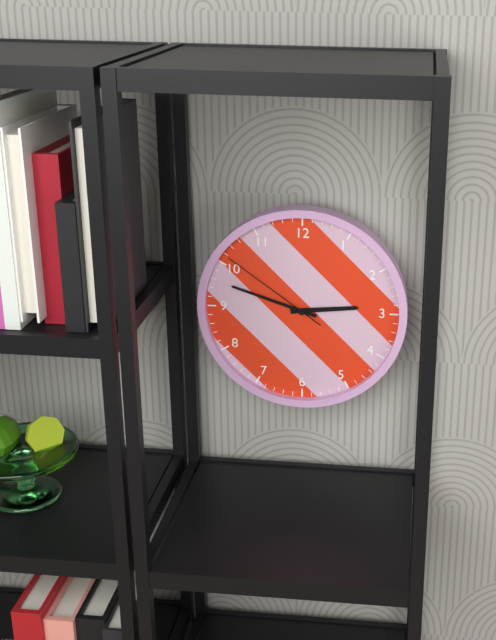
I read 2,48,51
